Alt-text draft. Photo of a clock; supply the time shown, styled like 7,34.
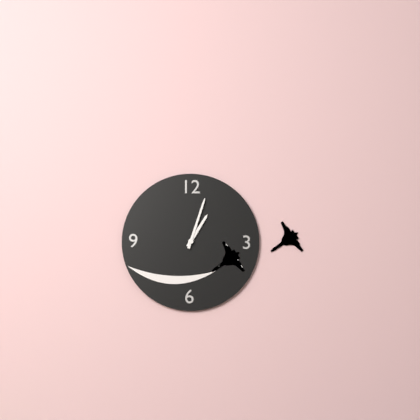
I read 1,03
